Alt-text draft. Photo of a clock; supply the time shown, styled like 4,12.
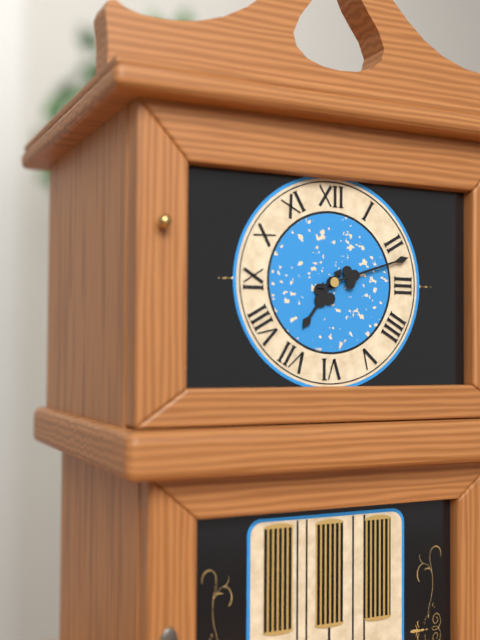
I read 7,12
